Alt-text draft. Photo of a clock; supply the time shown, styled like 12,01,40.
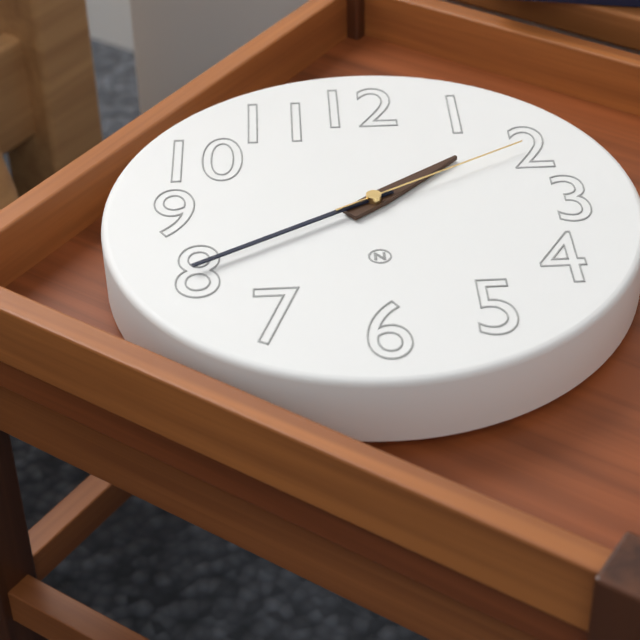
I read 1,40,10
